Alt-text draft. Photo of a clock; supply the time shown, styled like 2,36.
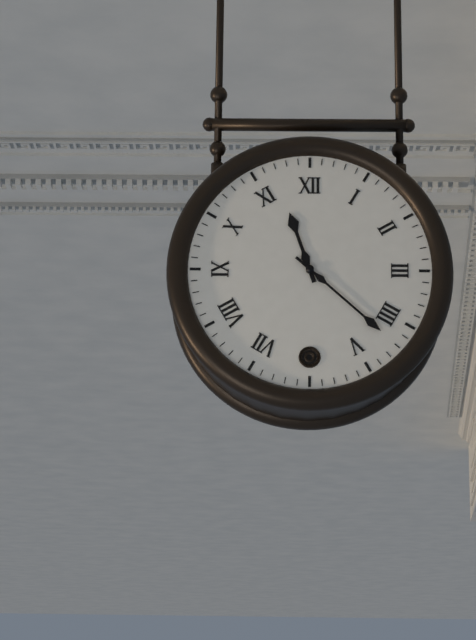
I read 11,22
